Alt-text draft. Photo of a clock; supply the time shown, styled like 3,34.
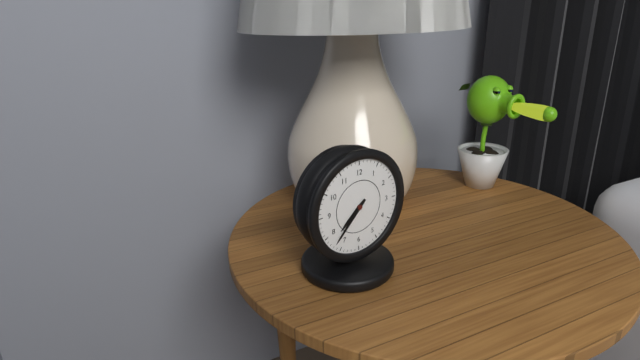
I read 7,37
